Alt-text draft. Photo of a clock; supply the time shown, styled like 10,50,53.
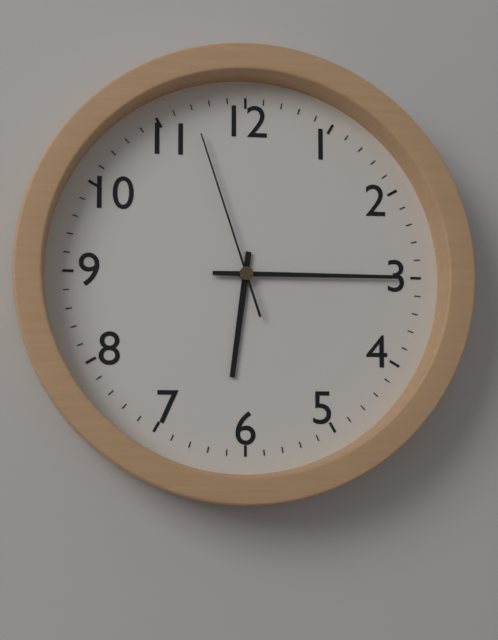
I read 6,15,57
